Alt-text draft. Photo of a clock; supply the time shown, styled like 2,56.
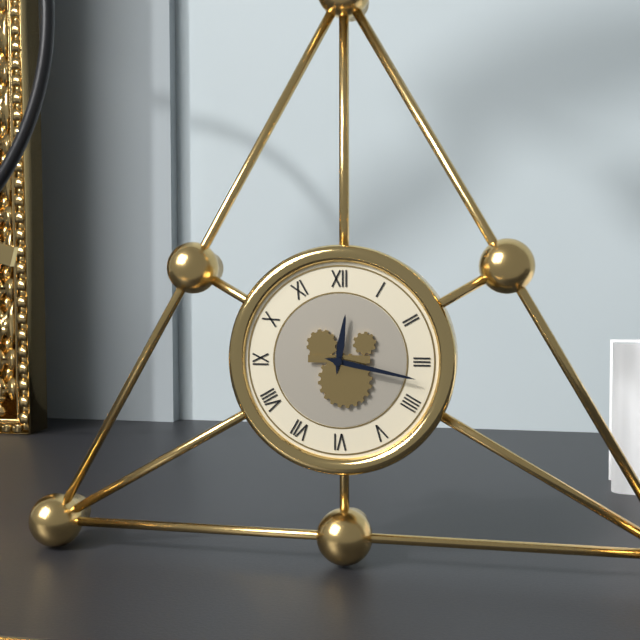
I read 12,17
